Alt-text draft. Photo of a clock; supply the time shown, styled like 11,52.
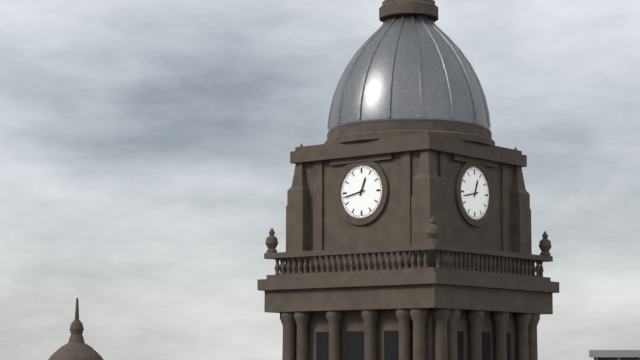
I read 12,43
